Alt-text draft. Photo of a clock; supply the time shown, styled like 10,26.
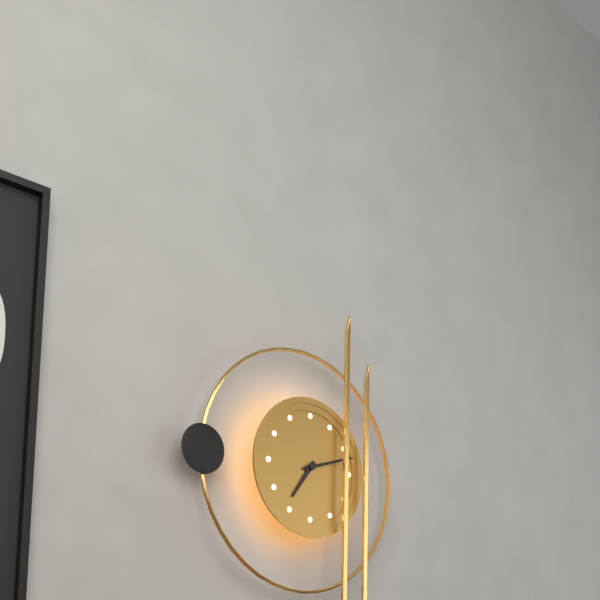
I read 7,12
